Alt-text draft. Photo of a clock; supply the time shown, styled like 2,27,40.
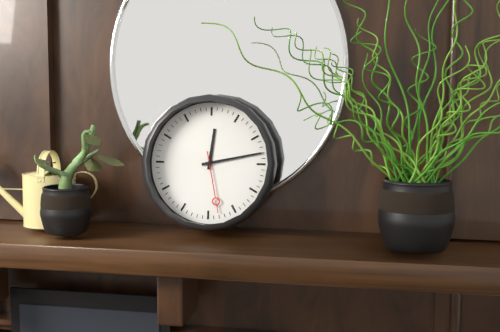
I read 12,13,28
